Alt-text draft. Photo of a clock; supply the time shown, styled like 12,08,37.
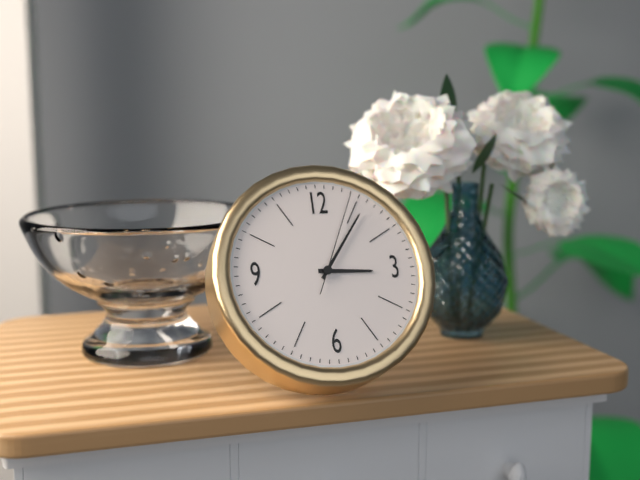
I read 3,06,04
